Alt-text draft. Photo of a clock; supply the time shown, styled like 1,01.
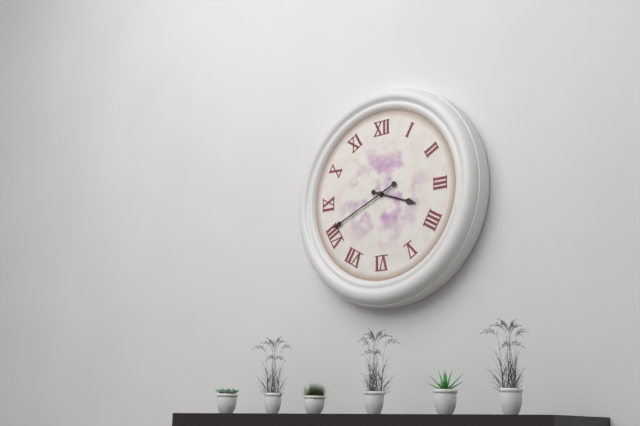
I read 3,41
